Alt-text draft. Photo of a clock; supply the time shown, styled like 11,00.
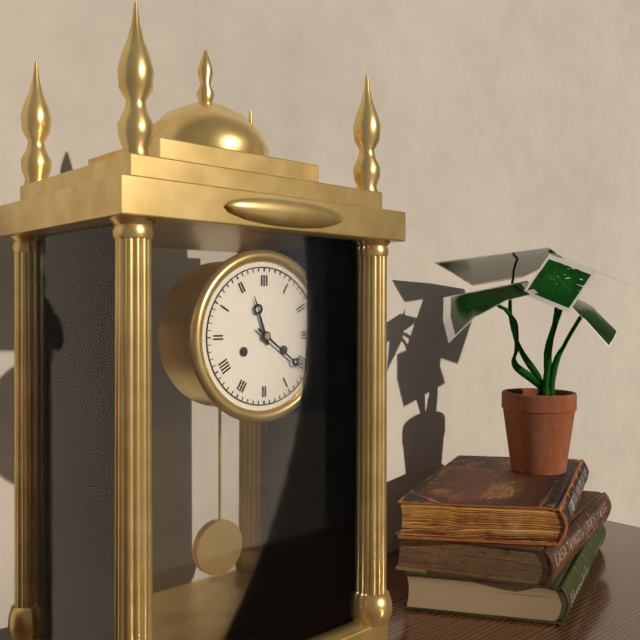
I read 11,21
